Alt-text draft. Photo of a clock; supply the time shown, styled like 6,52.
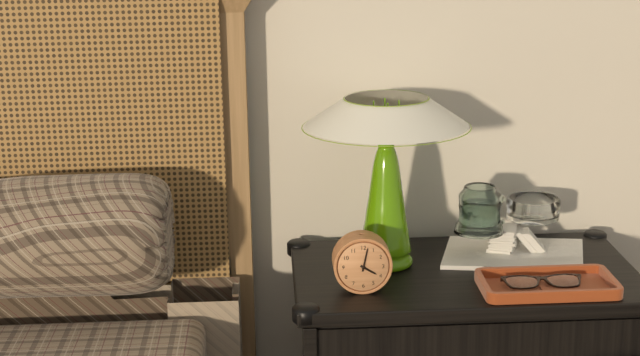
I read 4,02
